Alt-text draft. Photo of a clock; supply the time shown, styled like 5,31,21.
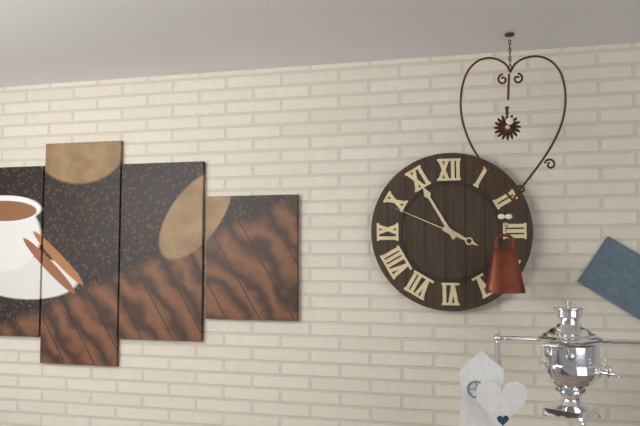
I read 3,55,49
